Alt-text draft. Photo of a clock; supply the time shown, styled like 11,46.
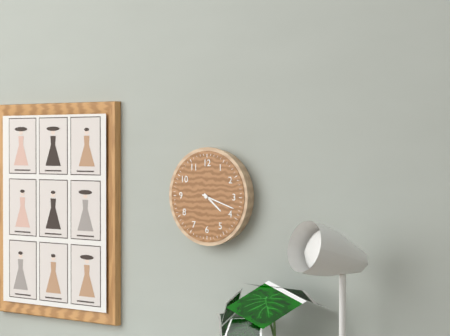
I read 4,18
